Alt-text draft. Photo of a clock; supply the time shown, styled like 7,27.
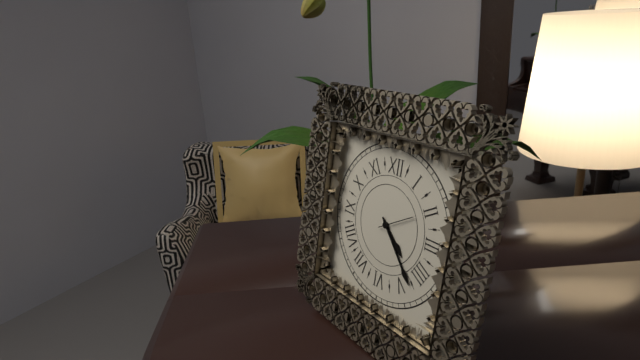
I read 4,23
